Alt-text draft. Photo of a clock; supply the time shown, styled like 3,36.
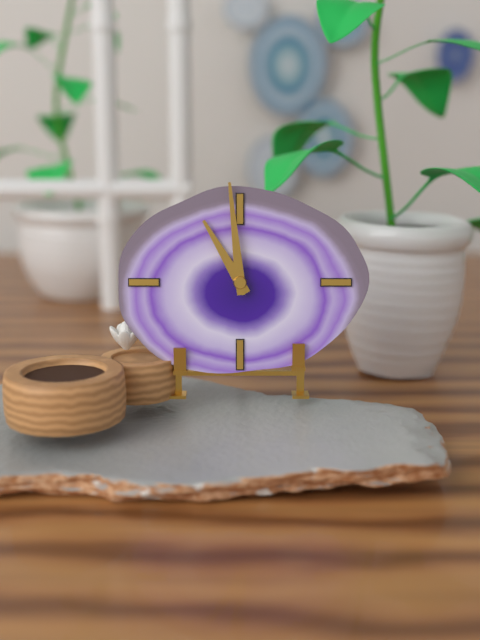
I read 10,59
